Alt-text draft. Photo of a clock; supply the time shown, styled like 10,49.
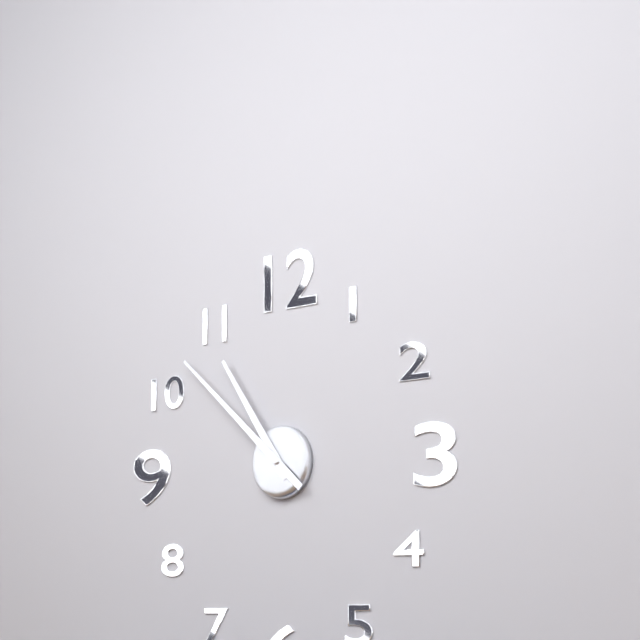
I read 10,52
